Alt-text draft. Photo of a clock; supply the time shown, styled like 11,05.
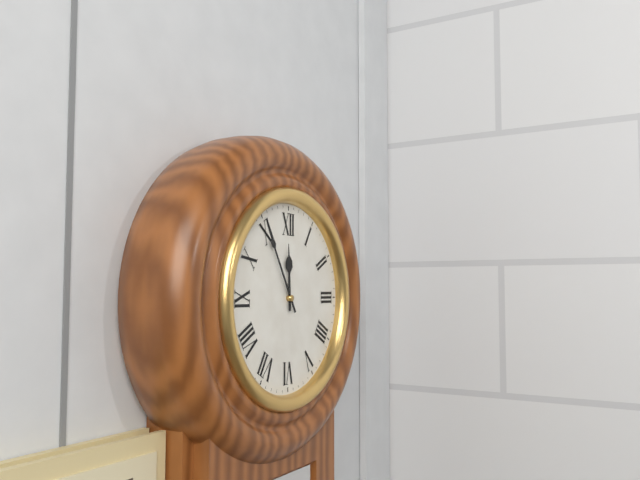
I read 11,55
